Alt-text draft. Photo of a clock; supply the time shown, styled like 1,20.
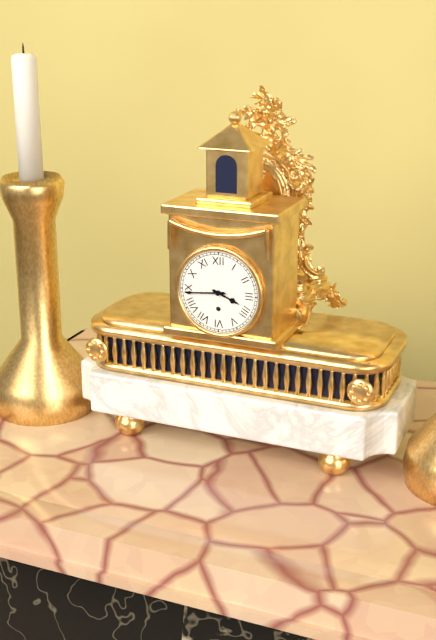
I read 3,44
